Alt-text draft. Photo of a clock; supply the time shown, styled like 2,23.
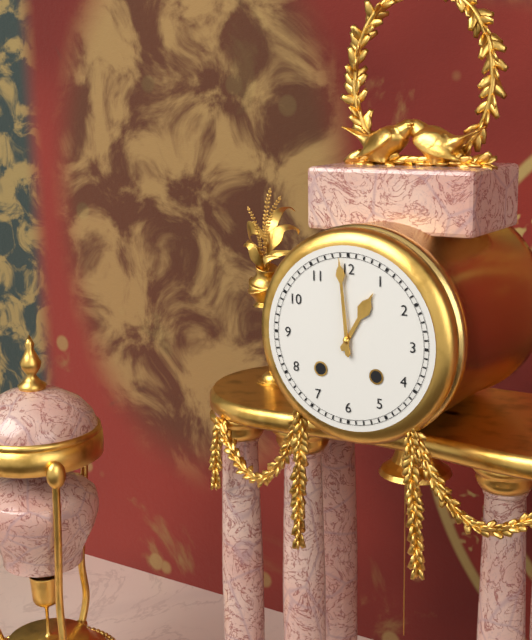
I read 12,59
